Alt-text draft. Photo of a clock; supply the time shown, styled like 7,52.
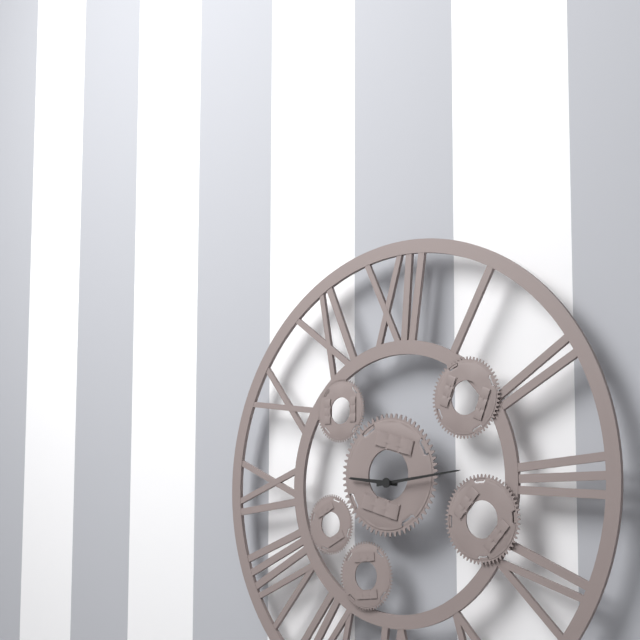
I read 9,14
